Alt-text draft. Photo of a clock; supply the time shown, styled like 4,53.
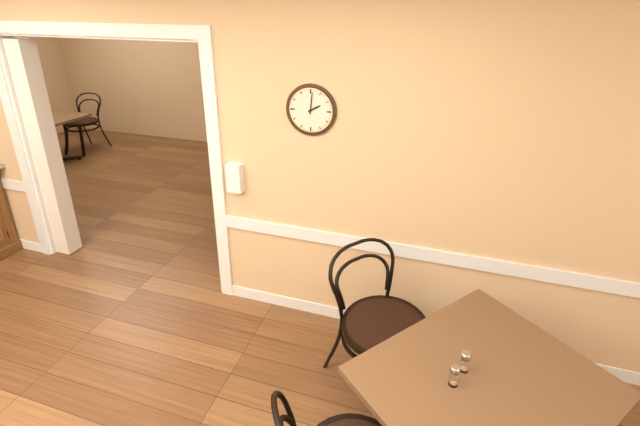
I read 2,01
